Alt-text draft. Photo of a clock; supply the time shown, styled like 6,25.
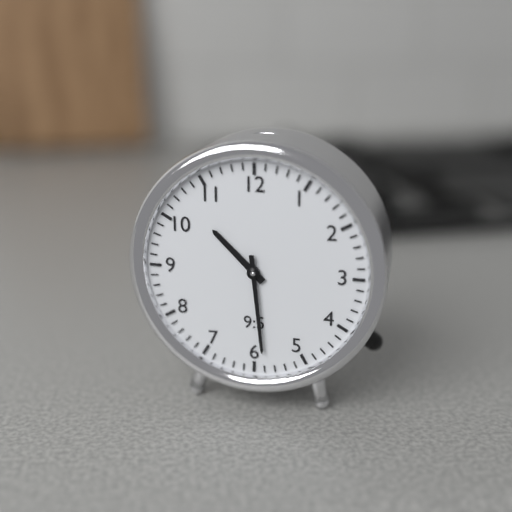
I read 10,29
